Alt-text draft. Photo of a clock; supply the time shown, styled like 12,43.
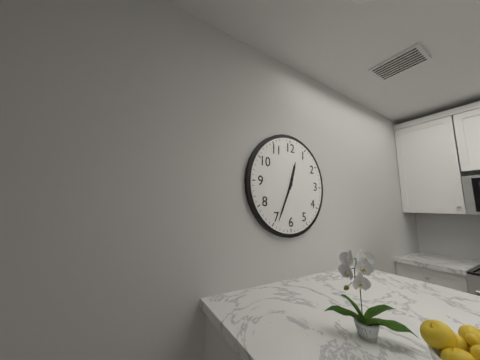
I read 12,34
